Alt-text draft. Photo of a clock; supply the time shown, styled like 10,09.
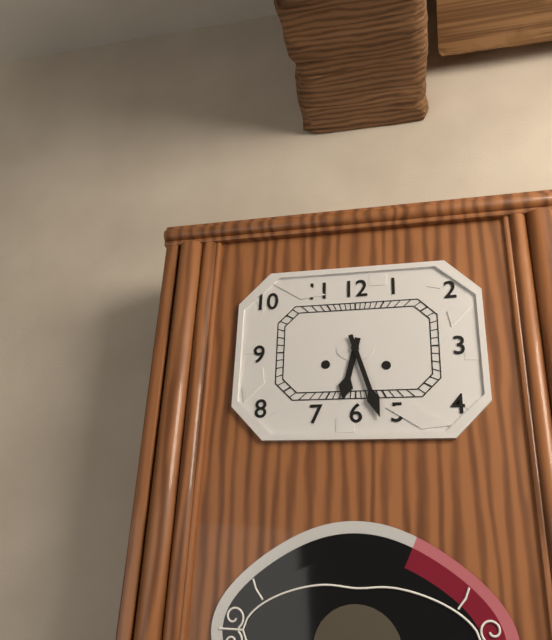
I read 6,27
